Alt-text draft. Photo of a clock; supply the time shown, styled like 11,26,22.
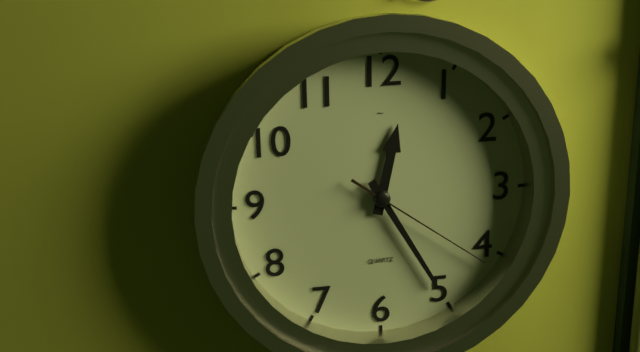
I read 12,25,21
